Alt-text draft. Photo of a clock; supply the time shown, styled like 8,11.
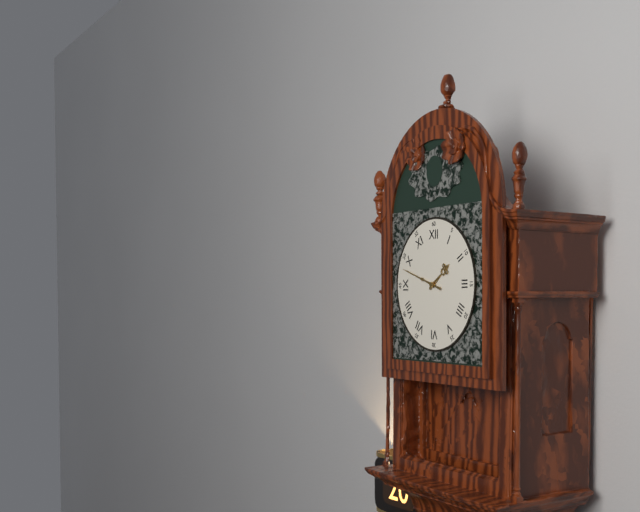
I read 1,48
